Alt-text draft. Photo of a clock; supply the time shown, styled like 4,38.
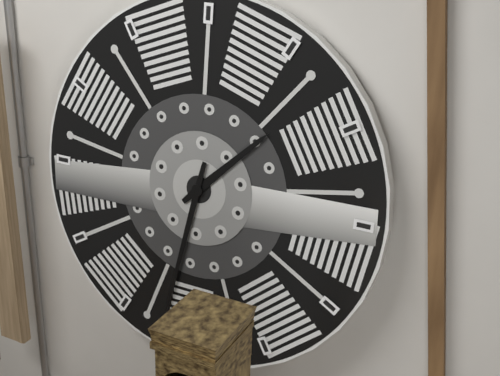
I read 1,32
